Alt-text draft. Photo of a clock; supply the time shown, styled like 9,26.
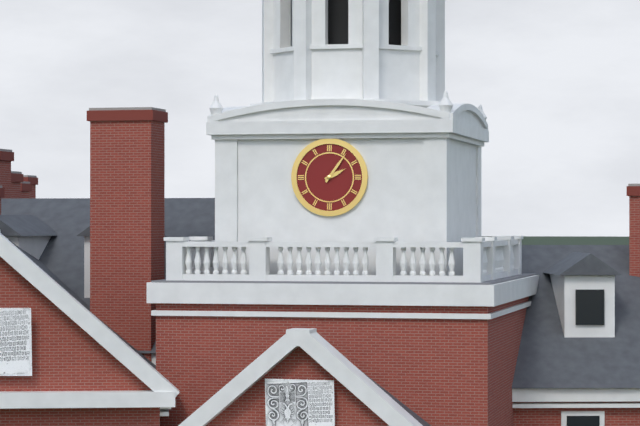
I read 2,06
